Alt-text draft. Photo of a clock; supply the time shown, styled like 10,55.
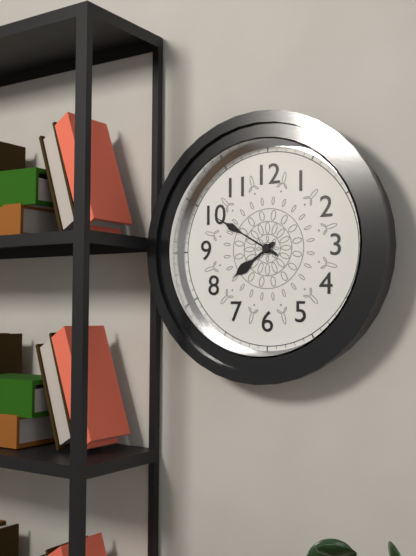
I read 7,50
